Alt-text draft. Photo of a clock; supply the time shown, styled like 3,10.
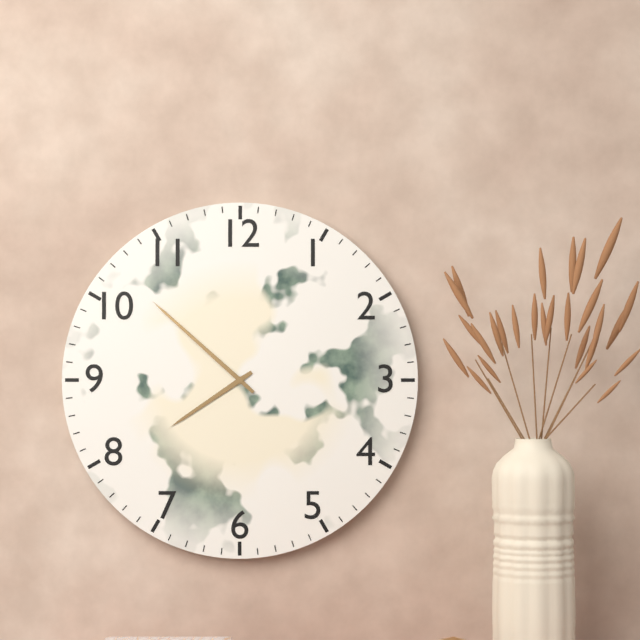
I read 7,52
